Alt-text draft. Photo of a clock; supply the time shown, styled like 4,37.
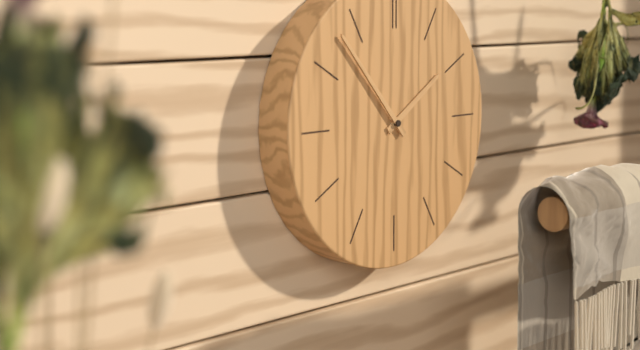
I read 1,53
